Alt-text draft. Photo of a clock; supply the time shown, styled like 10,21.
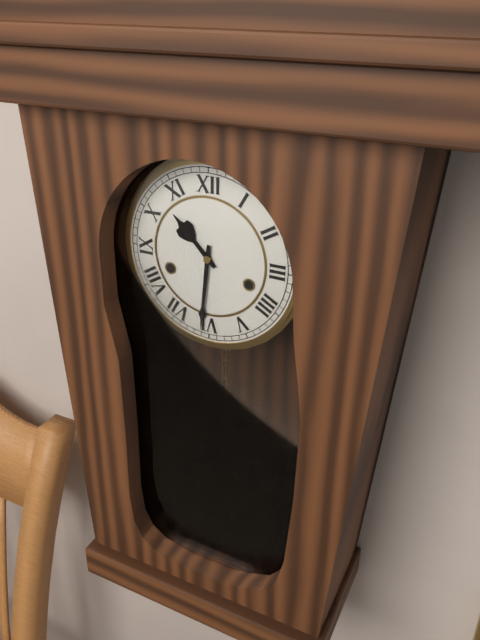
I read 10,31
